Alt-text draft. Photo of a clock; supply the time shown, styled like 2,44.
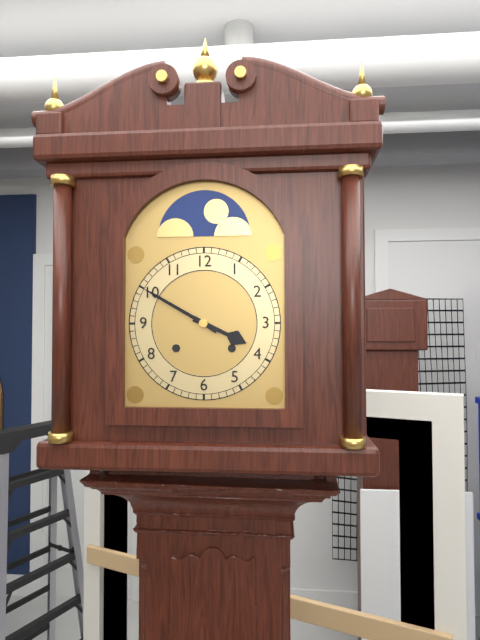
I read 3,50
